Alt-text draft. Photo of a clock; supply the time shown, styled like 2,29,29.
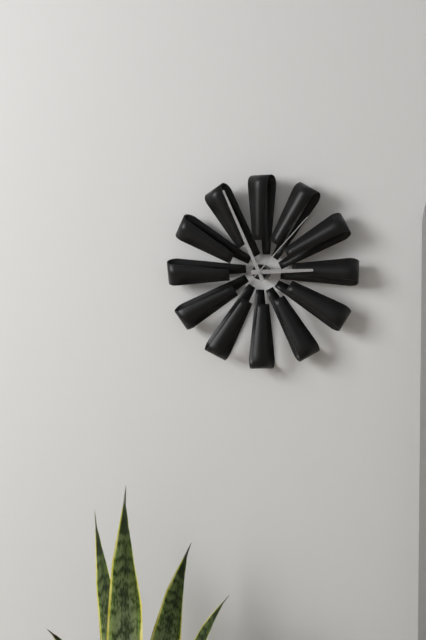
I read 2,56,07
